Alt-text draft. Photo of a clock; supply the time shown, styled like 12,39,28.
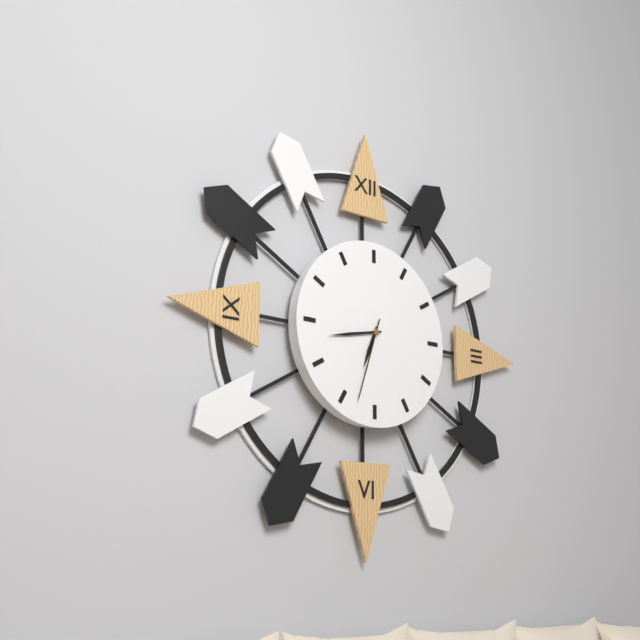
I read 6,43,33
